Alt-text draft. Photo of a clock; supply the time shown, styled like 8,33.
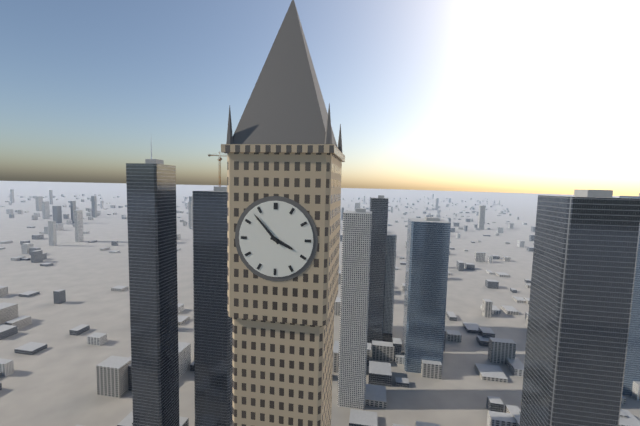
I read 3,53
